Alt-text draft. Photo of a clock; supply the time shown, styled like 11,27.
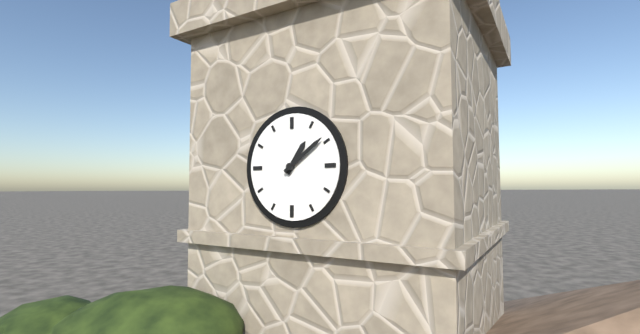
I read 1,09
